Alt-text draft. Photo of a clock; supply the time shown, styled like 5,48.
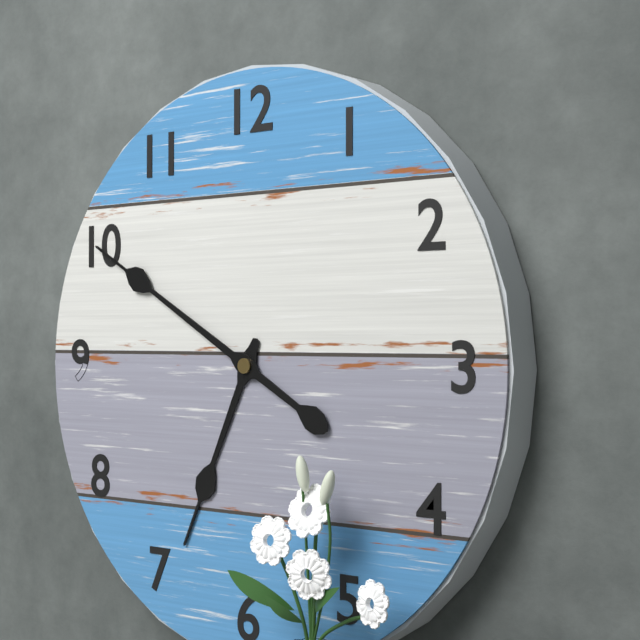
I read 6,50
